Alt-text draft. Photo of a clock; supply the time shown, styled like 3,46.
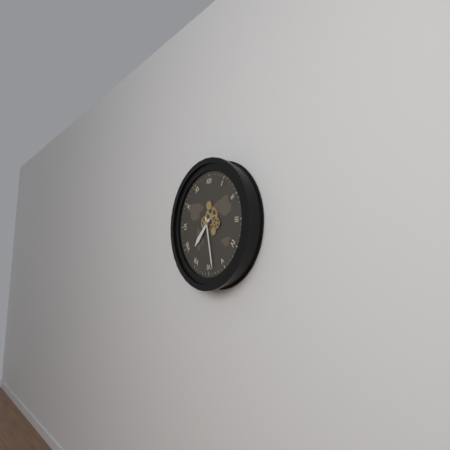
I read 7,28
